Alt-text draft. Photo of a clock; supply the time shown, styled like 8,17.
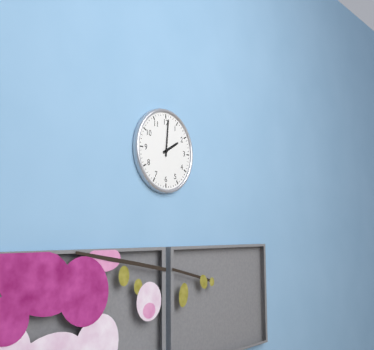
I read 2,01
